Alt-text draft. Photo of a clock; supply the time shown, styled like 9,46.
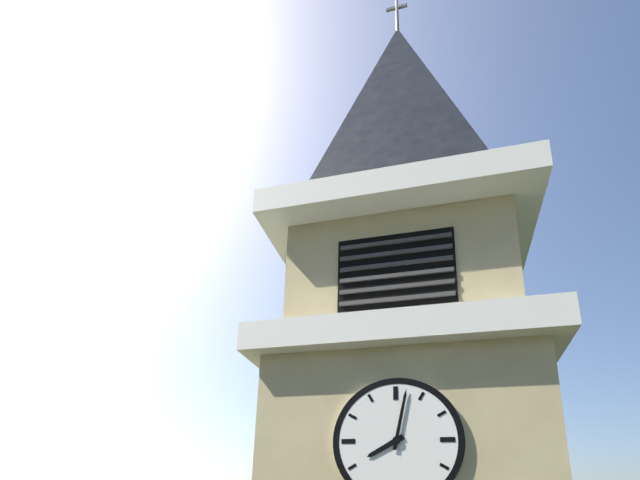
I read 8,02
